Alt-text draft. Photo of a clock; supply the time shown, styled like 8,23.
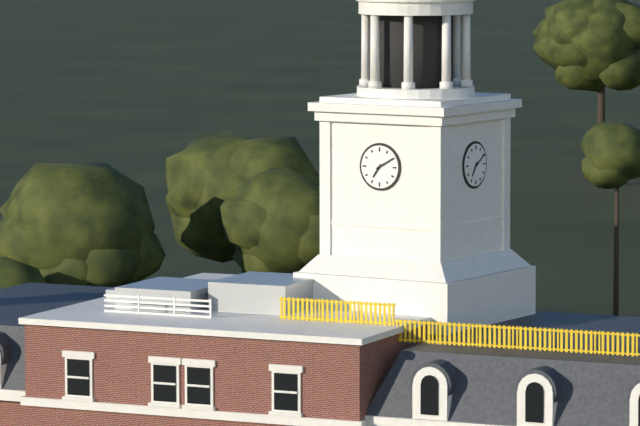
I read 7,10
